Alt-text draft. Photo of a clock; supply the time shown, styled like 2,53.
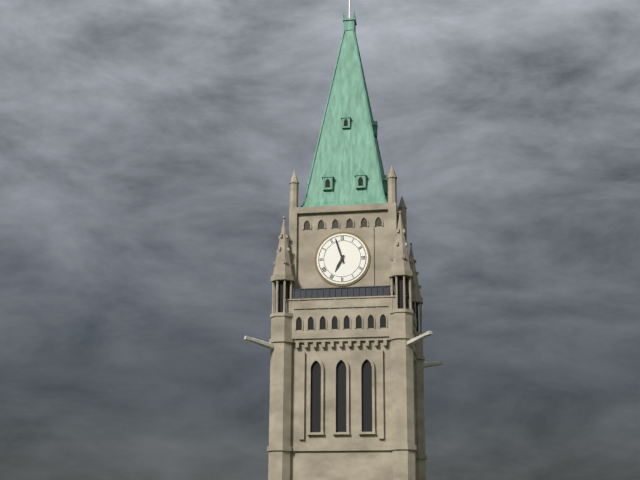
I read 6,57
